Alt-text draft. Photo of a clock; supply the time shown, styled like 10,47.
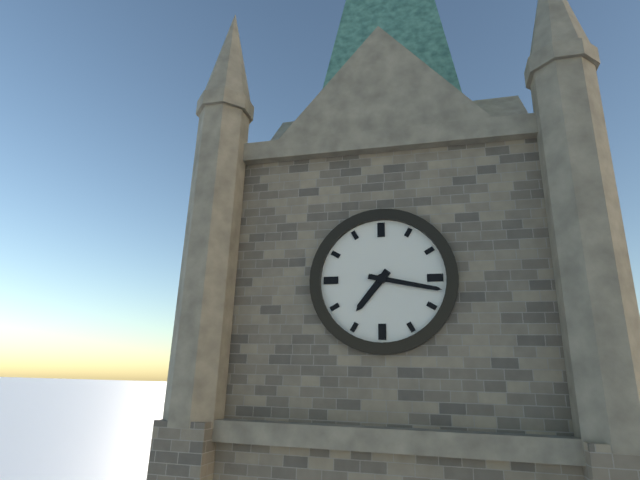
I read 7,17
